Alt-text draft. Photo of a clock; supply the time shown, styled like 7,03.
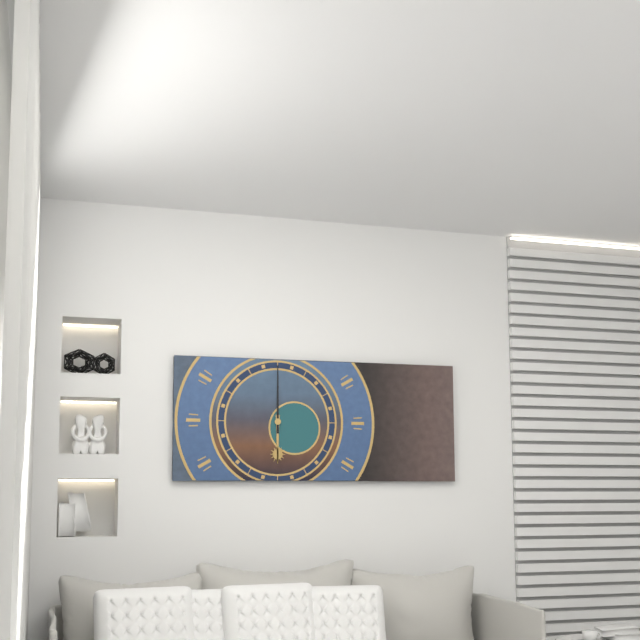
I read 6,00
